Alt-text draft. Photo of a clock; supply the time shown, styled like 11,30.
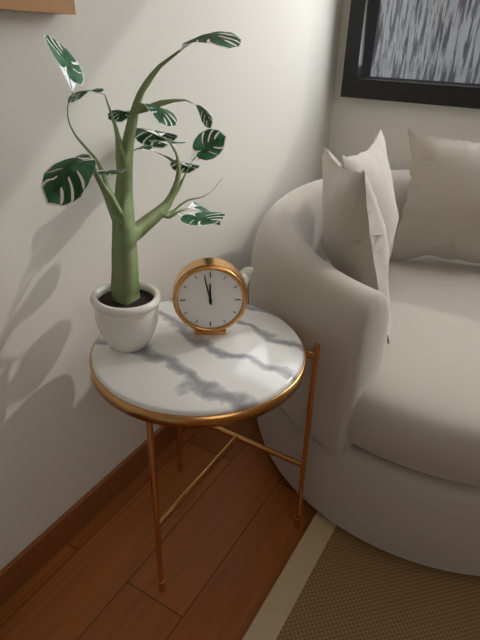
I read 11,58
